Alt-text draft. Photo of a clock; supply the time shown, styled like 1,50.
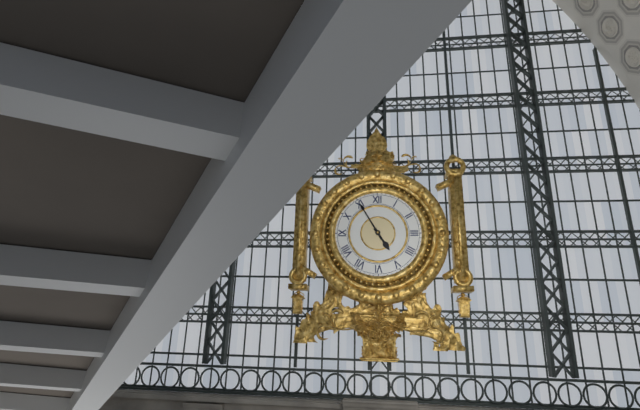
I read 4,55
